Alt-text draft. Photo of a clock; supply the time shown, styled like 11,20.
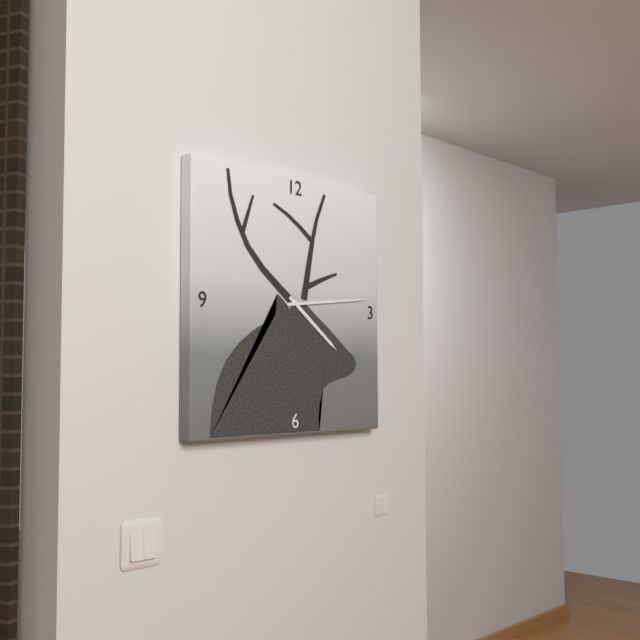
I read 4,14
